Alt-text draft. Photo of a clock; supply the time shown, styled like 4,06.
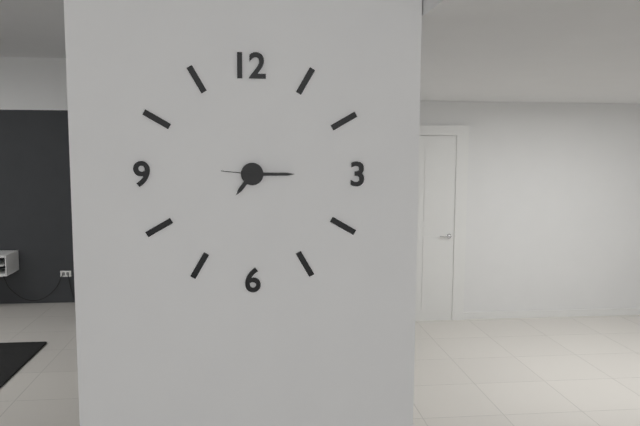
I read 7,15
